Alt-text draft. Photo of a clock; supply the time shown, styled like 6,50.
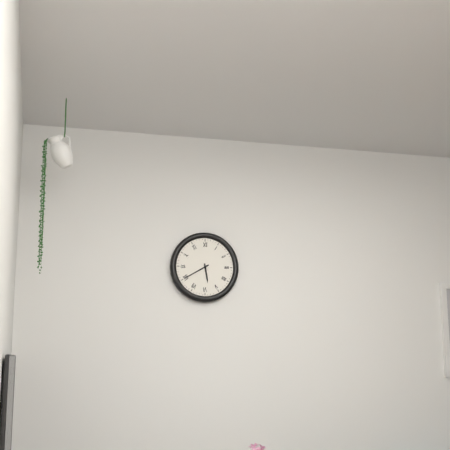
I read 5,40
